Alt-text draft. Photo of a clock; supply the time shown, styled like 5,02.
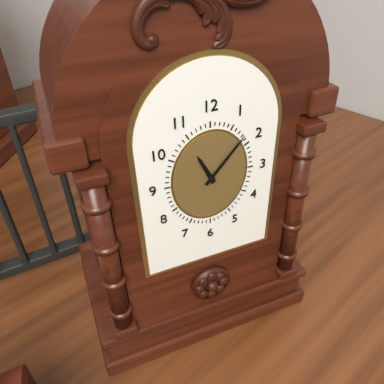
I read 11,07
